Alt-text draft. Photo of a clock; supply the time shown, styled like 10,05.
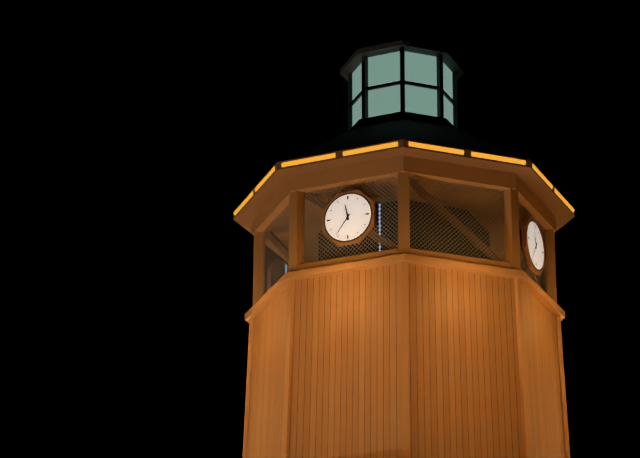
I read 11,36
